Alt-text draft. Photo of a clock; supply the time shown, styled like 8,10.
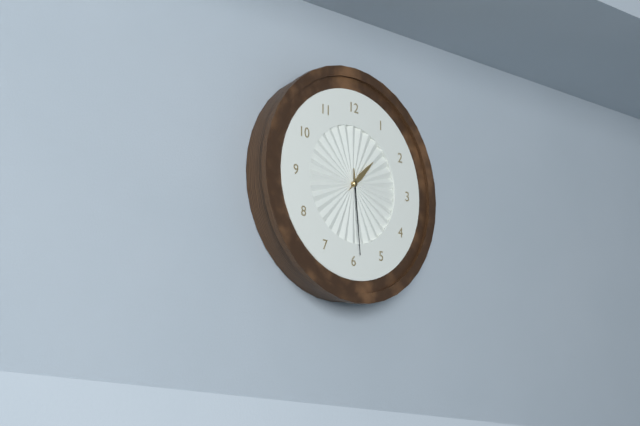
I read 1,29
